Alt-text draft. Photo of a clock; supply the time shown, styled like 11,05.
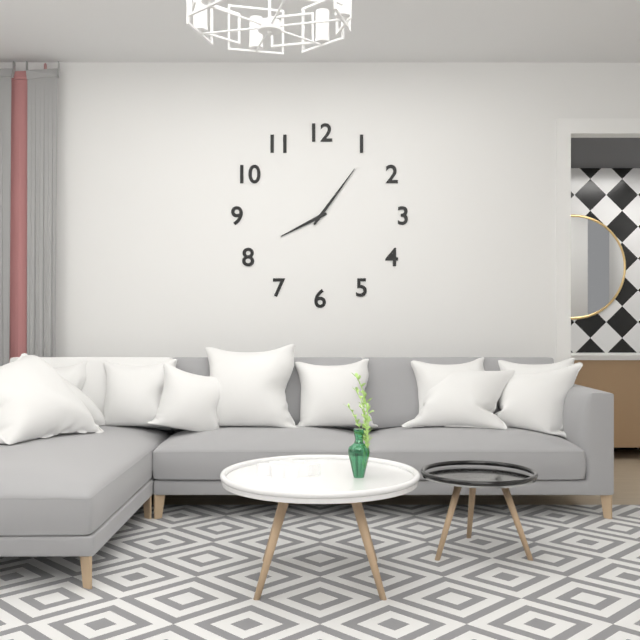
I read 8,06
